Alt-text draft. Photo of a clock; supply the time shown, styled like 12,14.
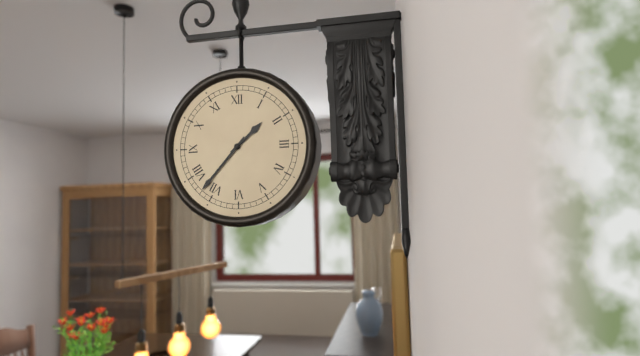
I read 1,37
